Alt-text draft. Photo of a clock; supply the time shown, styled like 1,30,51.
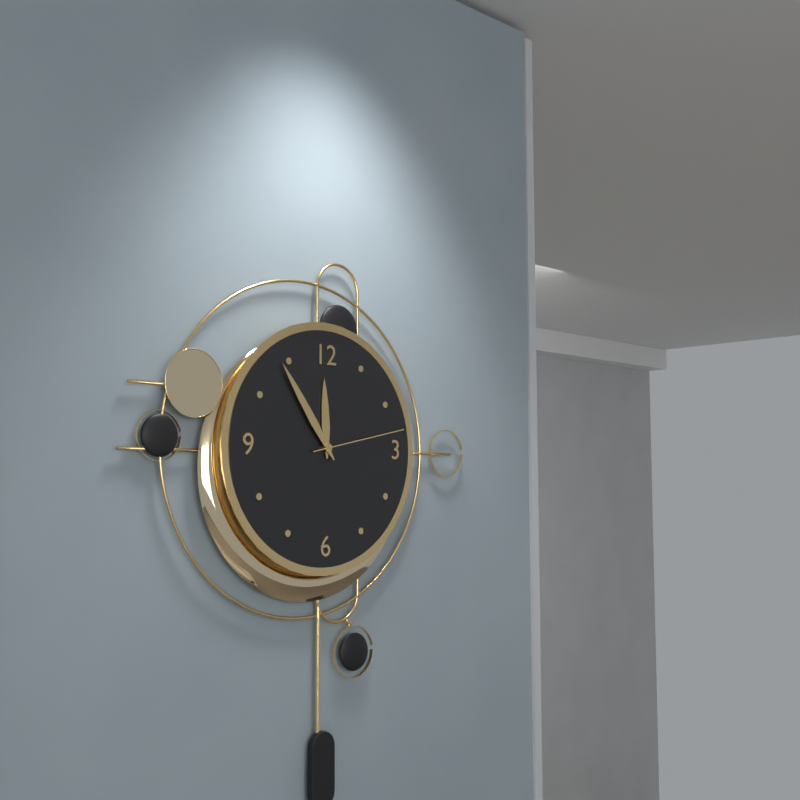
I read 11,54,13
